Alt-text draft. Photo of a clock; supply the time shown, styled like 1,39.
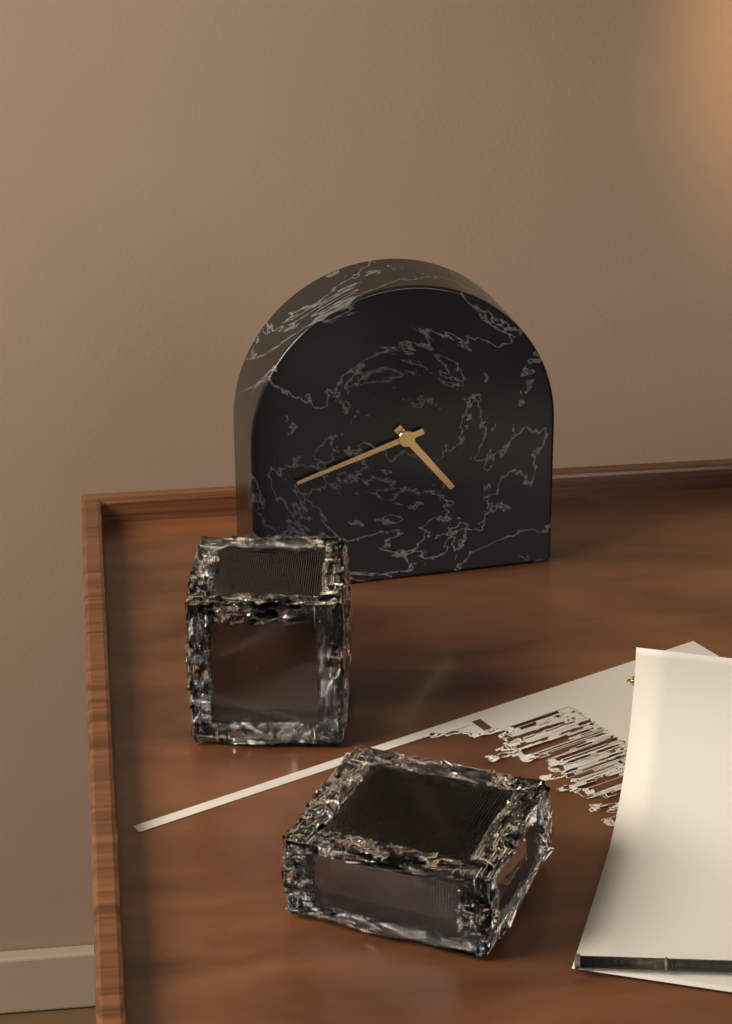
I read 4,42
